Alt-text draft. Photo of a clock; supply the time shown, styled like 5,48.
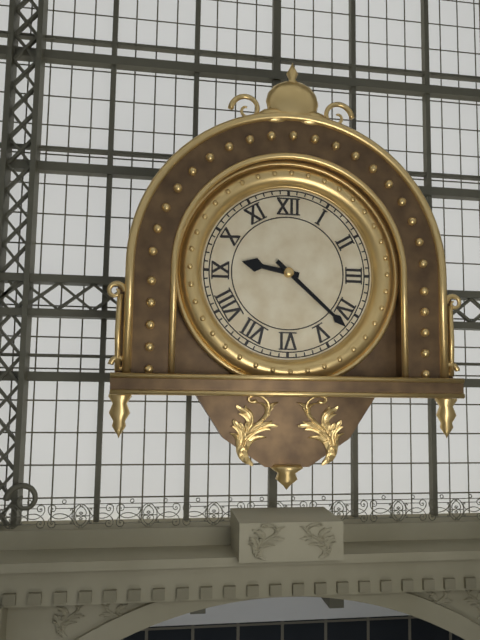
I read 9,22
